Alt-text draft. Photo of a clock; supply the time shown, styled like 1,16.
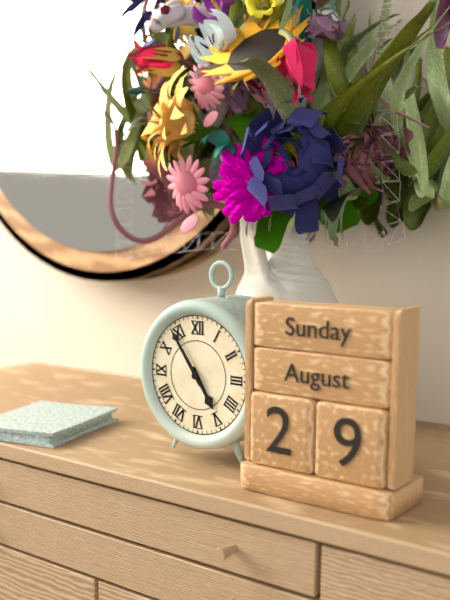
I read 4,54
